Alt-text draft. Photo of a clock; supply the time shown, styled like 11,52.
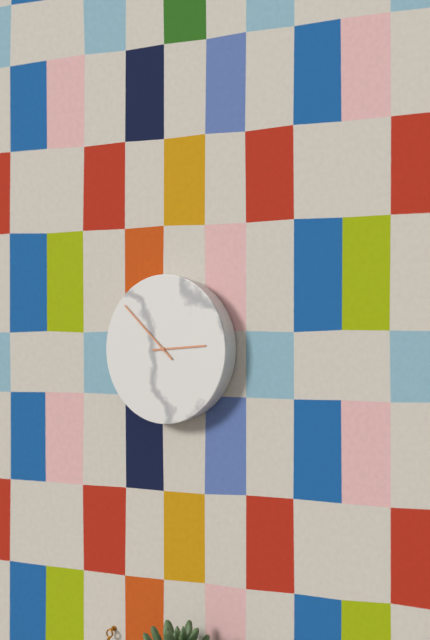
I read 2,52
